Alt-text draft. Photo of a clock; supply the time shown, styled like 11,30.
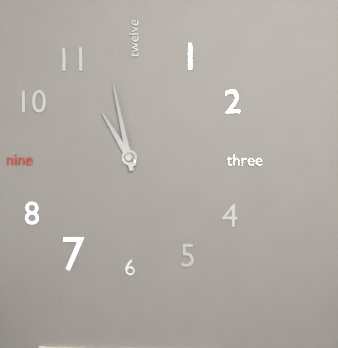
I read 10,58
